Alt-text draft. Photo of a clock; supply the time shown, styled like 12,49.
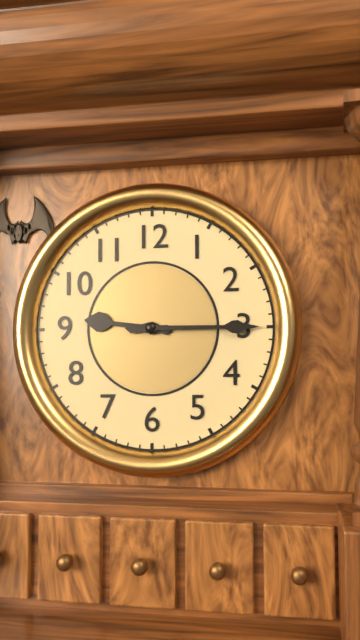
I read 9,15
